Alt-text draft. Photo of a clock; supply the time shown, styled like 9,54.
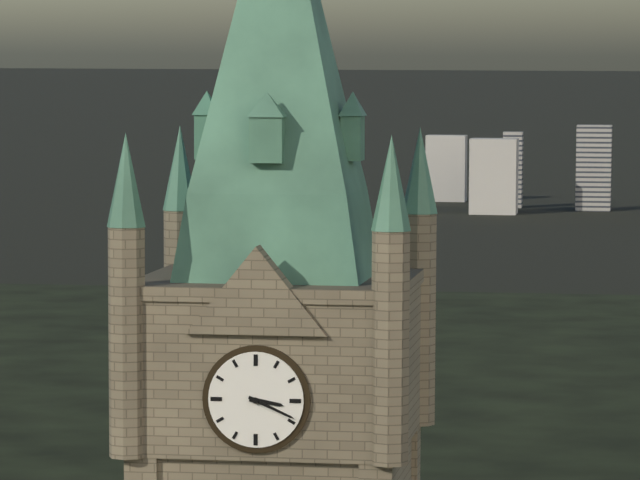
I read 3,19
